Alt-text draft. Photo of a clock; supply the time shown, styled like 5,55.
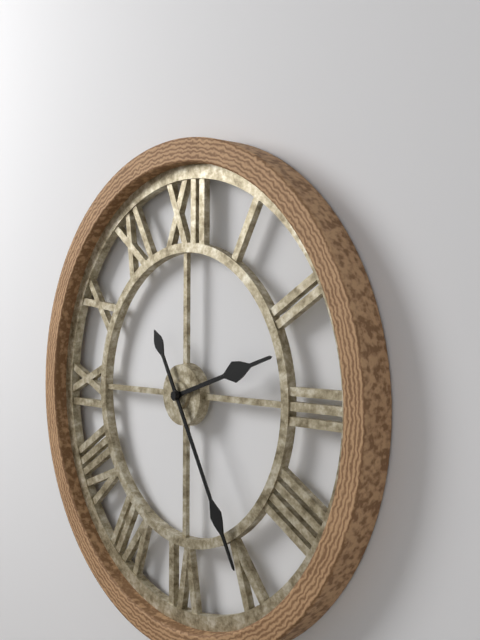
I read 2,25
